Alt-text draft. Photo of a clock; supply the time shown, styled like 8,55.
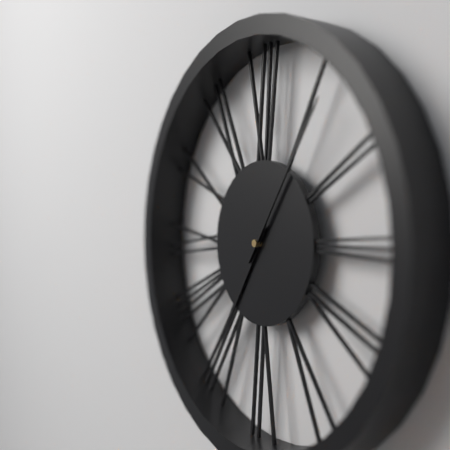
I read 7,06
